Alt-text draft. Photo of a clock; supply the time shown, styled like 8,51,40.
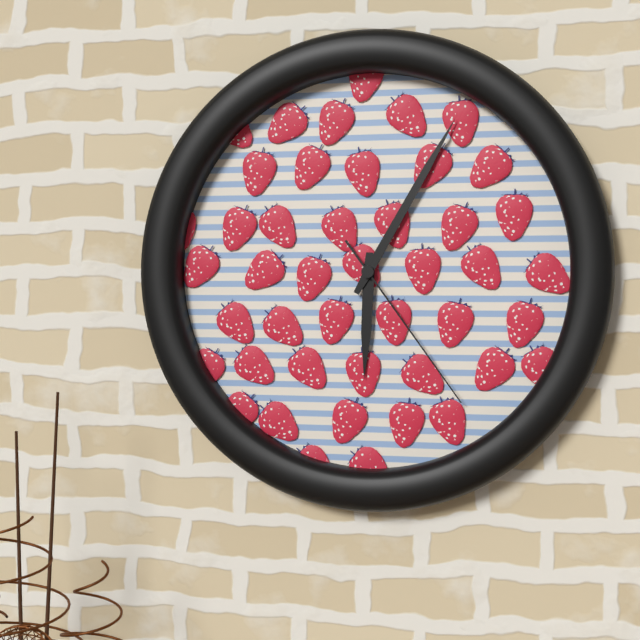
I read 6,05,24
